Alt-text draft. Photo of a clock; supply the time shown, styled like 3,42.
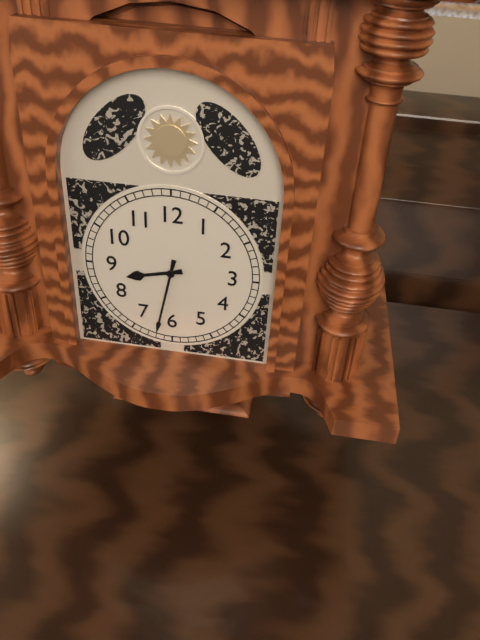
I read 8,32
